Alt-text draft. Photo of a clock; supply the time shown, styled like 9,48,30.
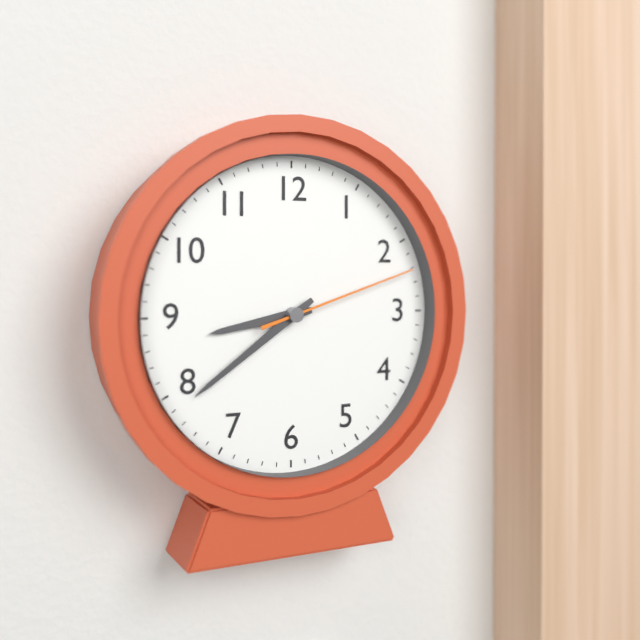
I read 8,39,12
